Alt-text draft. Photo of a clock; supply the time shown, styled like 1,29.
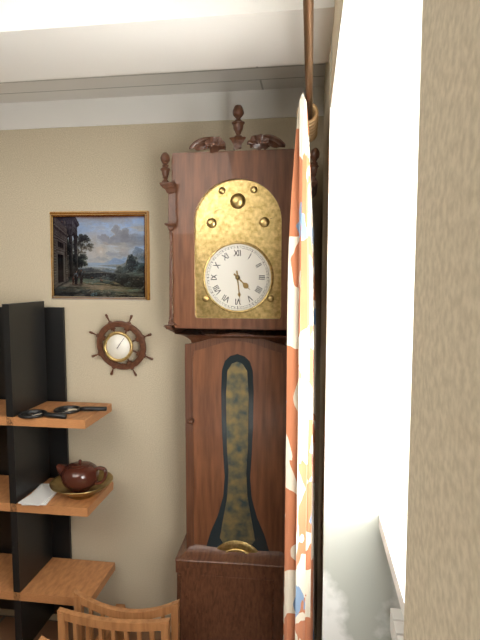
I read 4,29
